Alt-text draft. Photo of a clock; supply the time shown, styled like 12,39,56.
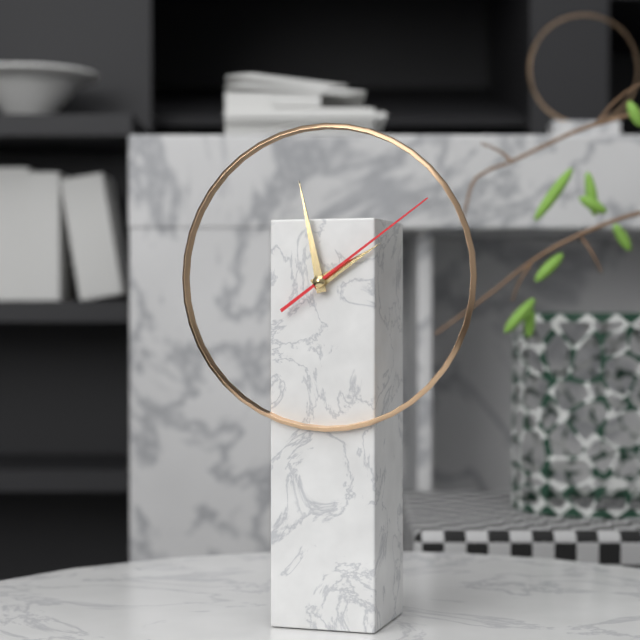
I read 1,58,09
